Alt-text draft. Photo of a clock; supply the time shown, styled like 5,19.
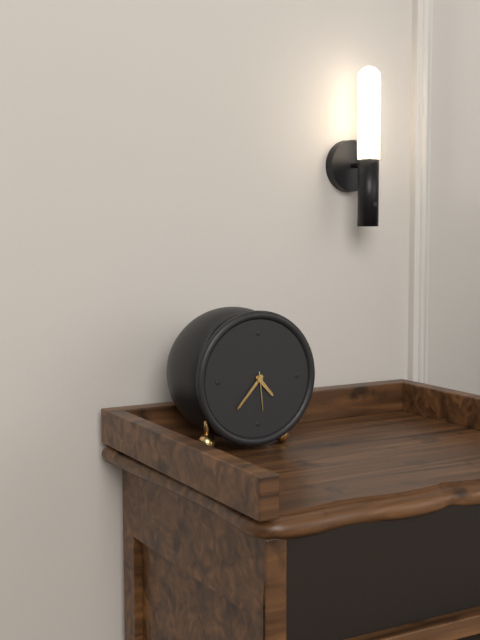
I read 4,37
